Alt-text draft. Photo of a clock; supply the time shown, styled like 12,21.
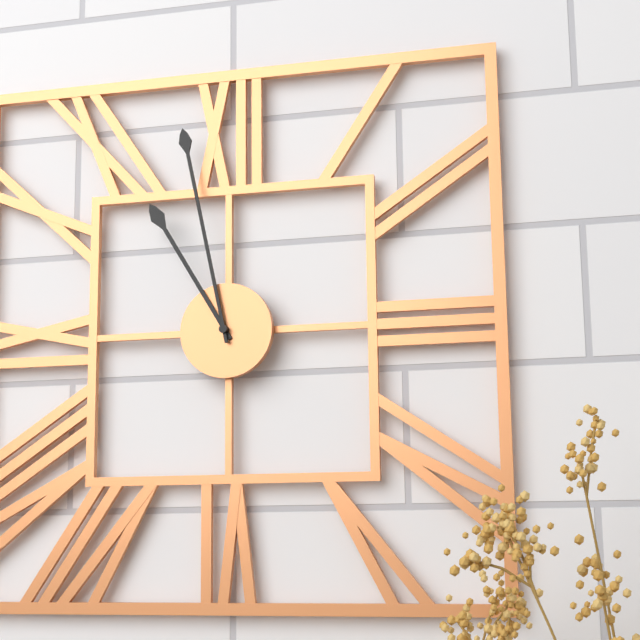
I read 10,58
